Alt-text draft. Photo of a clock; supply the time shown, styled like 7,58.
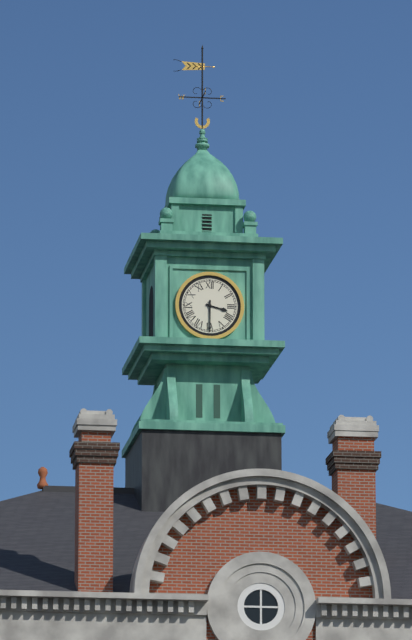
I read 3,30
